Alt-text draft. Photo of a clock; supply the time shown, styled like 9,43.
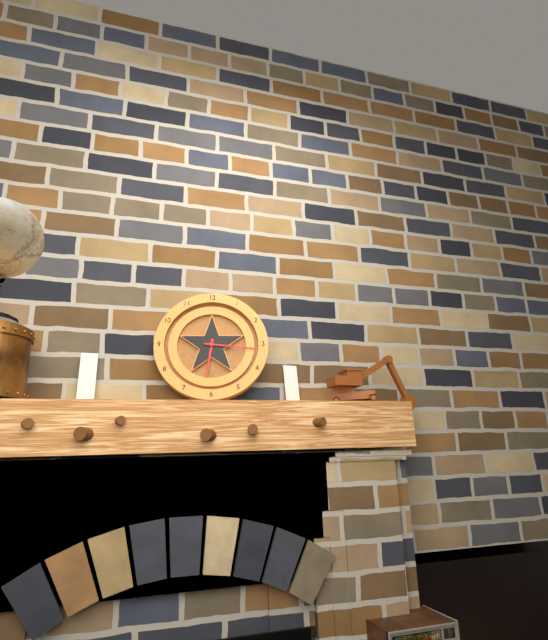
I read 6,16
